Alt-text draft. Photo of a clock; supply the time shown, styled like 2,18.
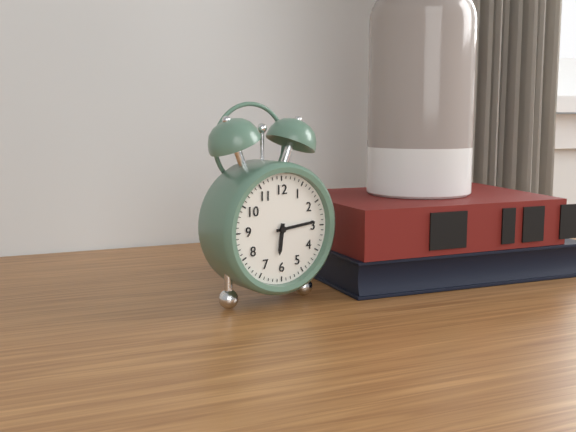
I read 6,14
